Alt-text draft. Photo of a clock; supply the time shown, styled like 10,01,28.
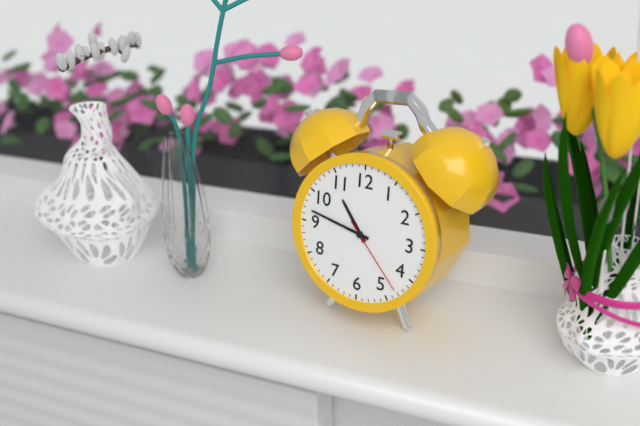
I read 10,47,23
